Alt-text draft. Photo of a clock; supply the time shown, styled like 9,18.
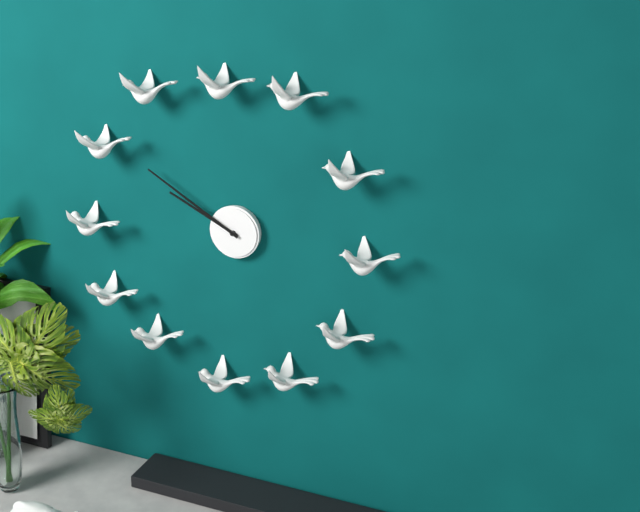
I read 9,50
